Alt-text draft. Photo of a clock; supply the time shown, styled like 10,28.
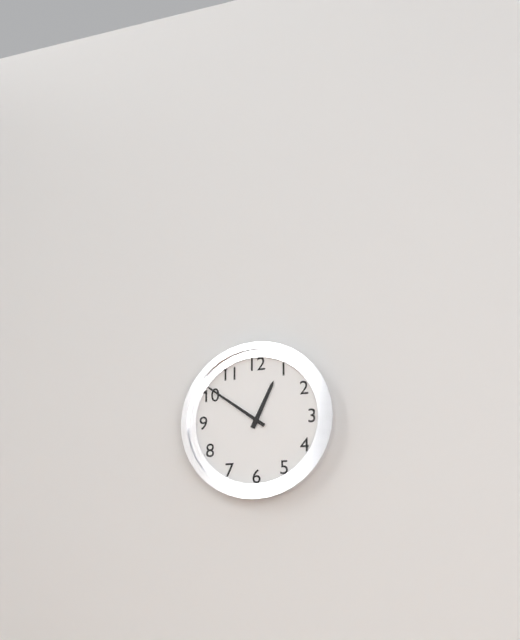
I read 12,51
